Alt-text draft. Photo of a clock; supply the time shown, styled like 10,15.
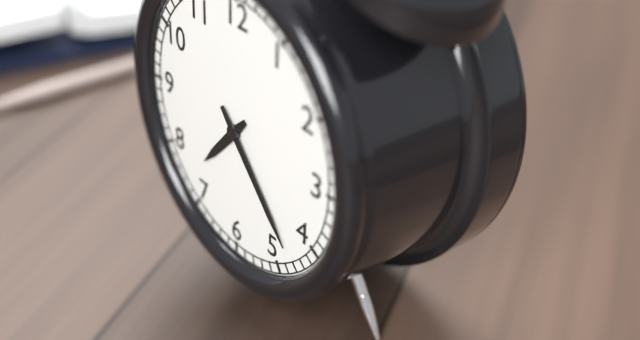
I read 7,23
